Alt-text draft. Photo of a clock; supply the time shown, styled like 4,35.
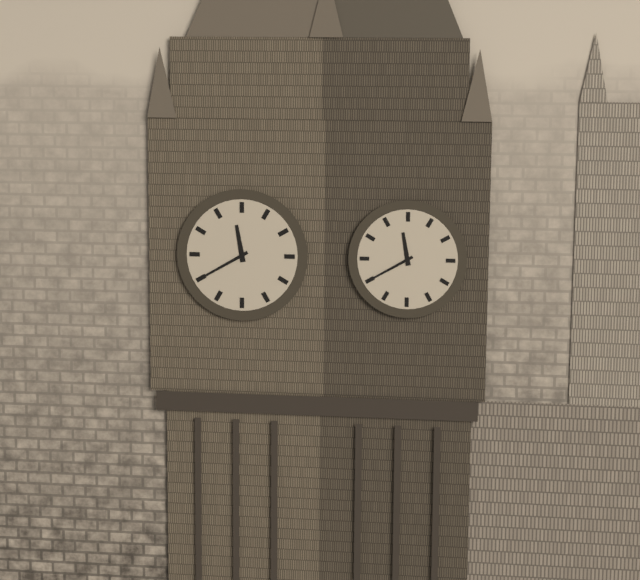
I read 11,40
